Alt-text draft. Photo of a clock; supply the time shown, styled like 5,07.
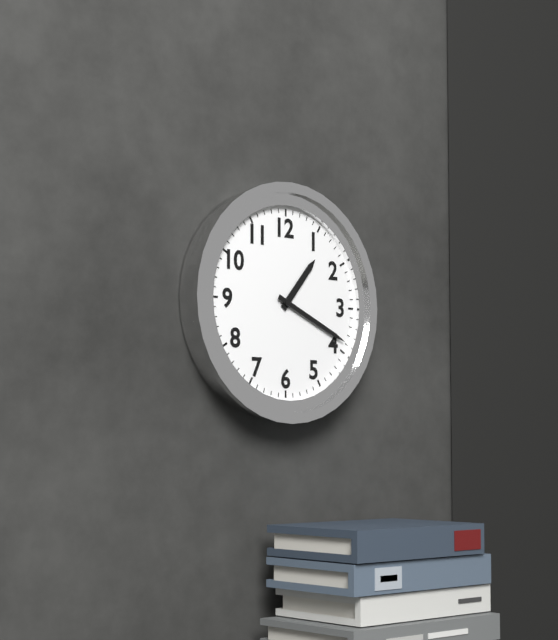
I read 1,19
